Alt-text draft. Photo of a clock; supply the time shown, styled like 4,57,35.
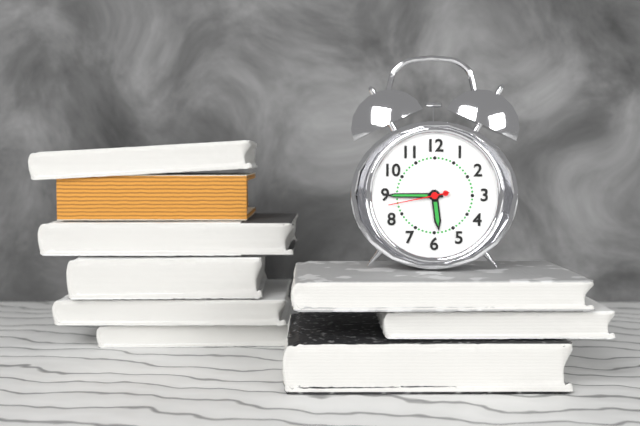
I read 5,45,43
